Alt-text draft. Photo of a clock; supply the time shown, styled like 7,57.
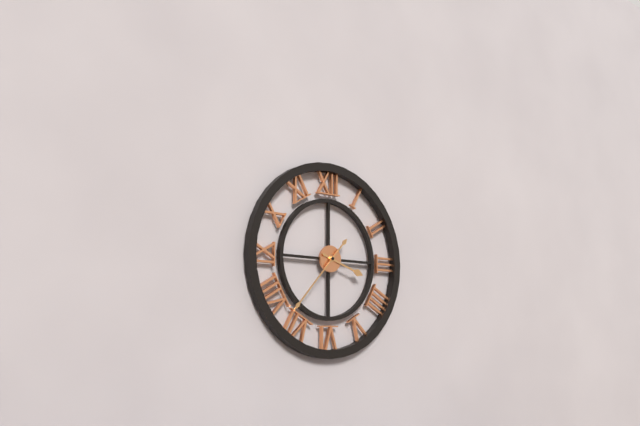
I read 3,37
